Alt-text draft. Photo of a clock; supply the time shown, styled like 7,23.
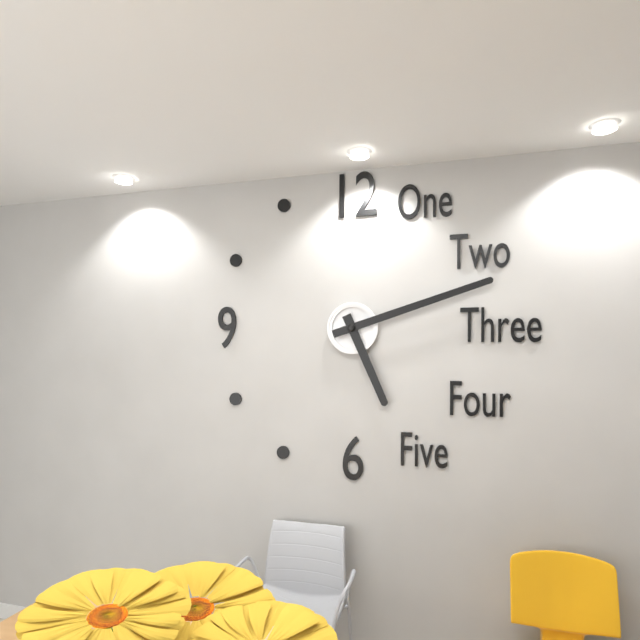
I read 5,12
